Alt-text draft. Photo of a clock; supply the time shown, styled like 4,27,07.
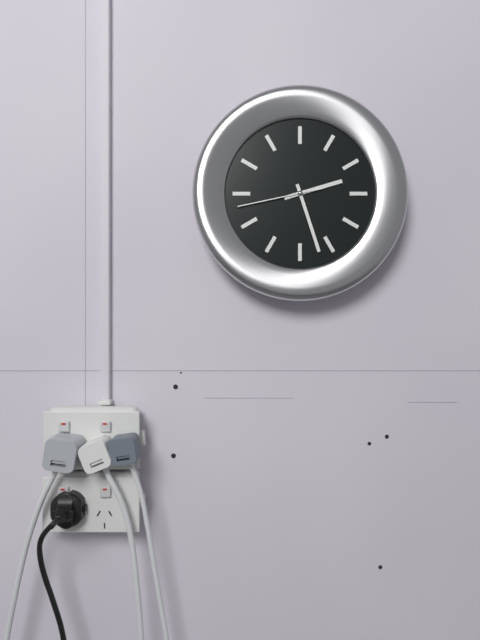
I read 2,27,43
